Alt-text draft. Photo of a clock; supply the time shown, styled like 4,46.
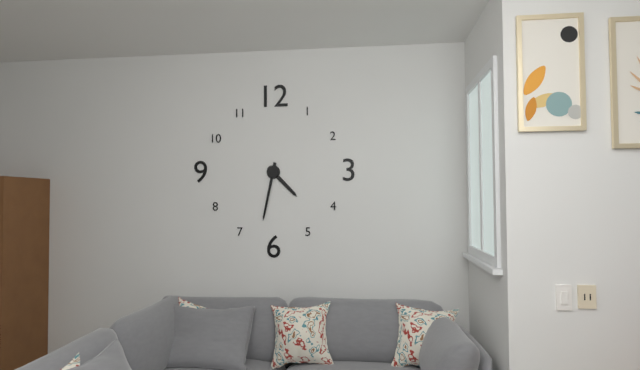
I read 4,32
